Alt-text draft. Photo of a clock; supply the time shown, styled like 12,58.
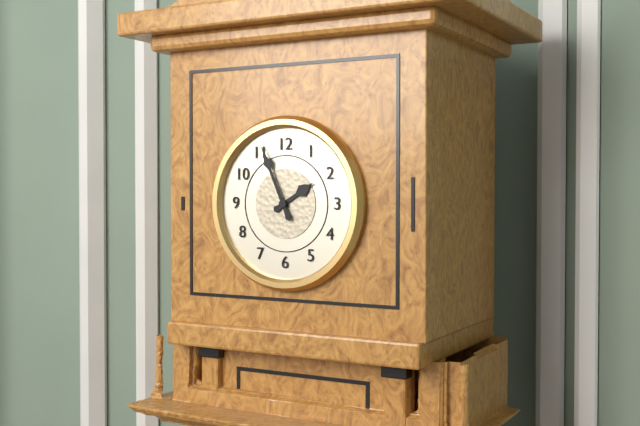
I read 1,56
